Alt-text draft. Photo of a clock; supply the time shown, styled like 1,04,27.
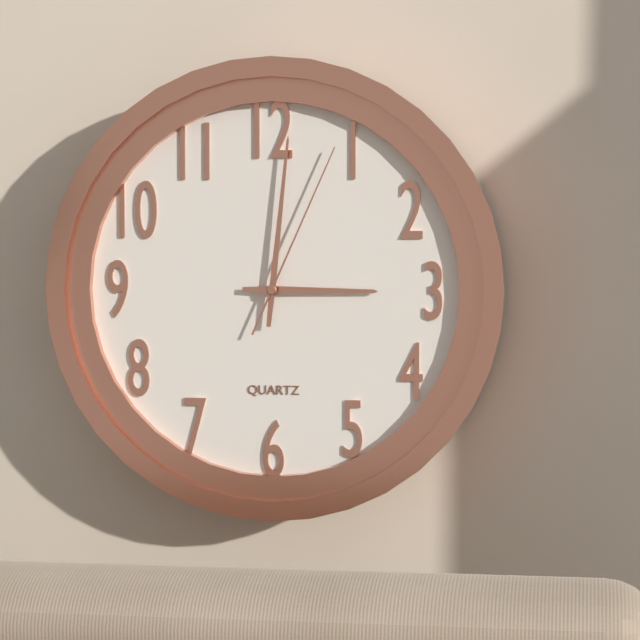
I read 3,01,04
